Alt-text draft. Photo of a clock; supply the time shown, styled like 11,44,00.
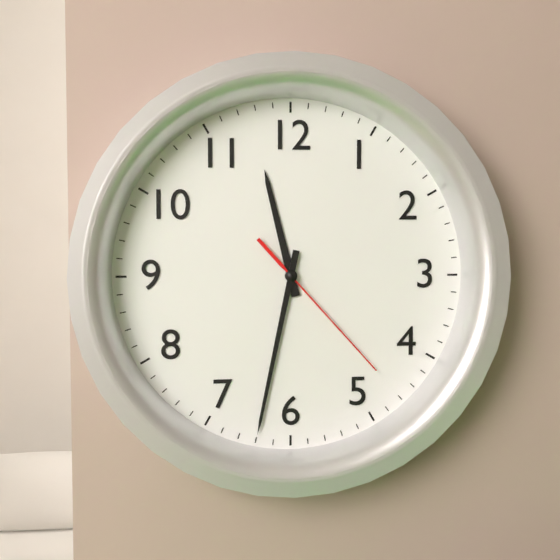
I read 11,32,23
